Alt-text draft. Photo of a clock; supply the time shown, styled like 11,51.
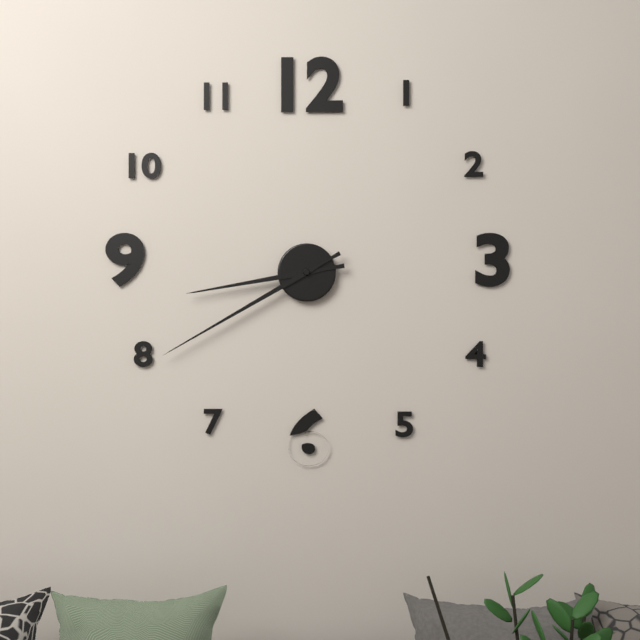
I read 8,40
